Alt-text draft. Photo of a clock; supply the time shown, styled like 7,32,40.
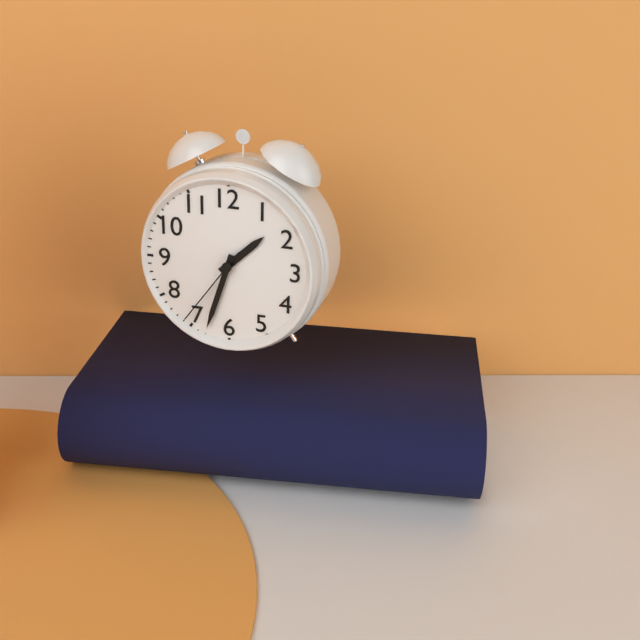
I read 1,33,36
